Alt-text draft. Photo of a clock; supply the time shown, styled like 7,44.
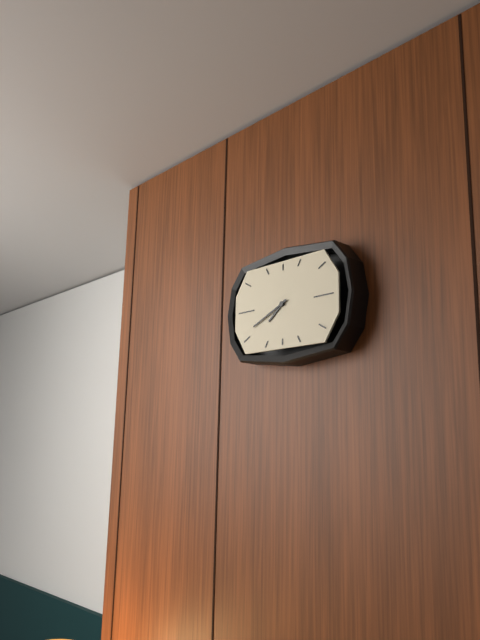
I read 7,41
